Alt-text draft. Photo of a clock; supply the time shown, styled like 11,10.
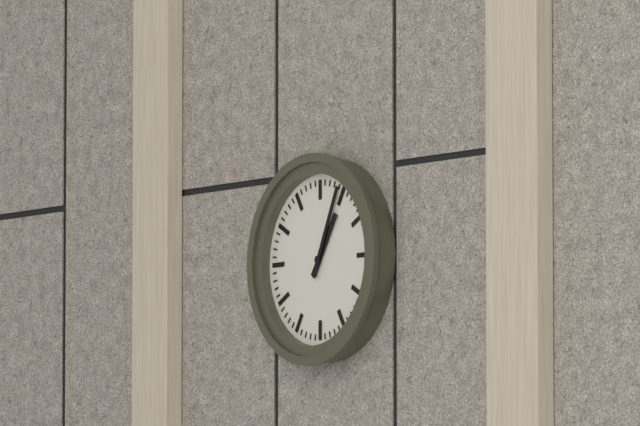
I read 1,04
